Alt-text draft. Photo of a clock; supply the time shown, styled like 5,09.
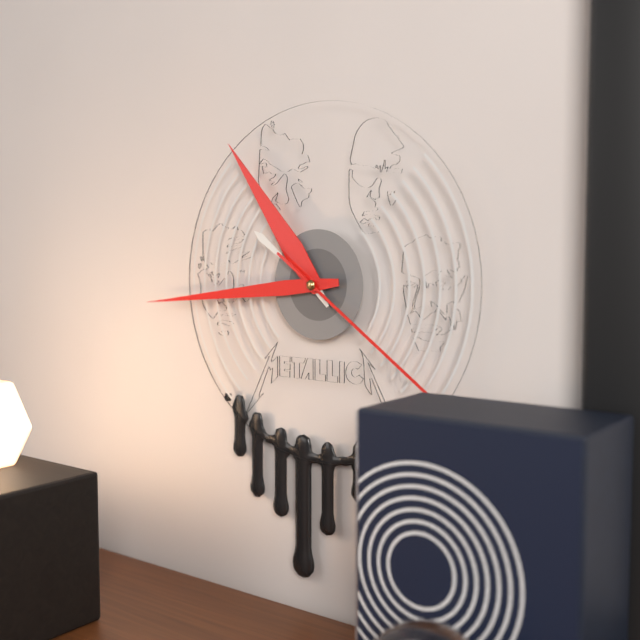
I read 10,44
